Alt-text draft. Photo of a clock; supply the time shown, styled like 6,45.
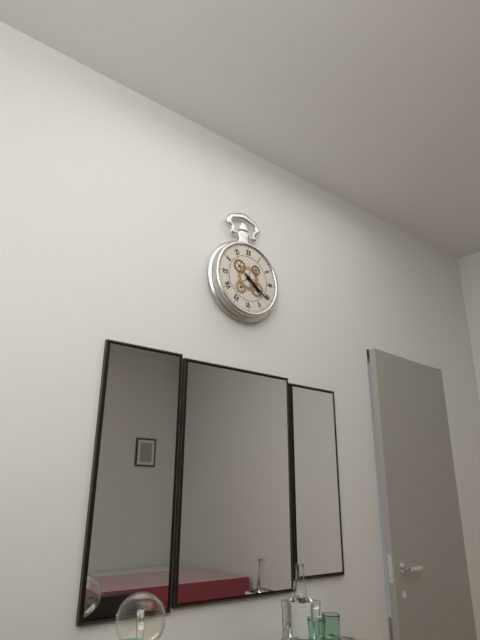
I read 4,21
